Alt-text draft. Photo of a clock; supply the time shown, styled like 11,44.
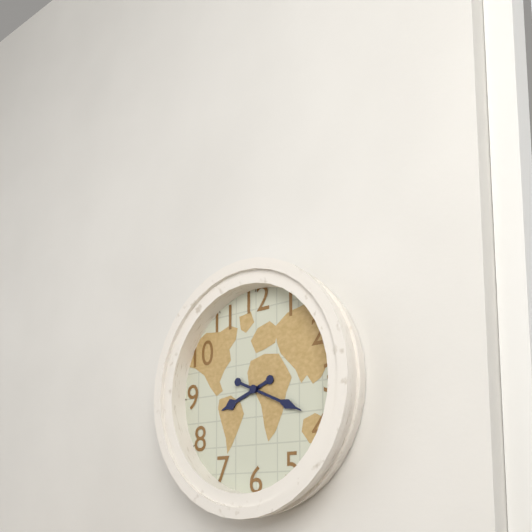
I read 8,19
